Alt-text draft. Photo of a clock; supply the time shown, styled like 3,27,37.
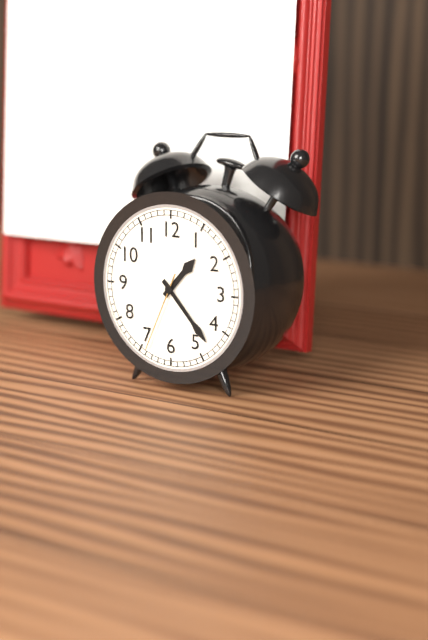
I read 1,23,34
